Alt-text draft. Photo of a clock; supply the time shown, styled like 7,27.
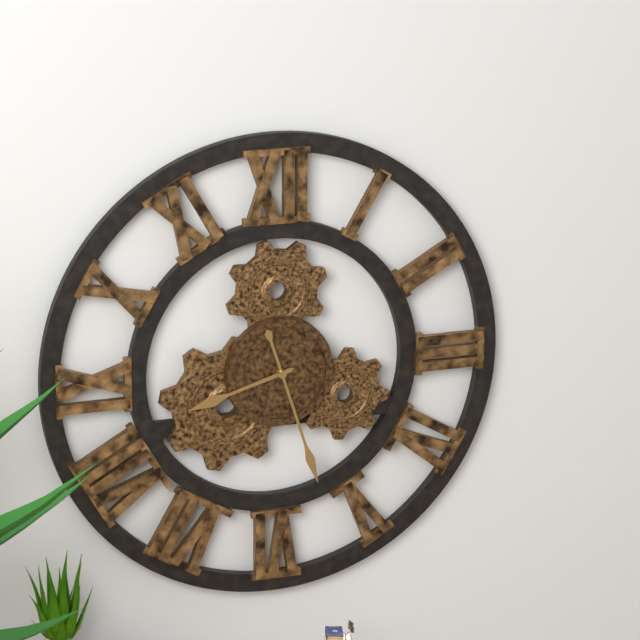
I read 8,27
